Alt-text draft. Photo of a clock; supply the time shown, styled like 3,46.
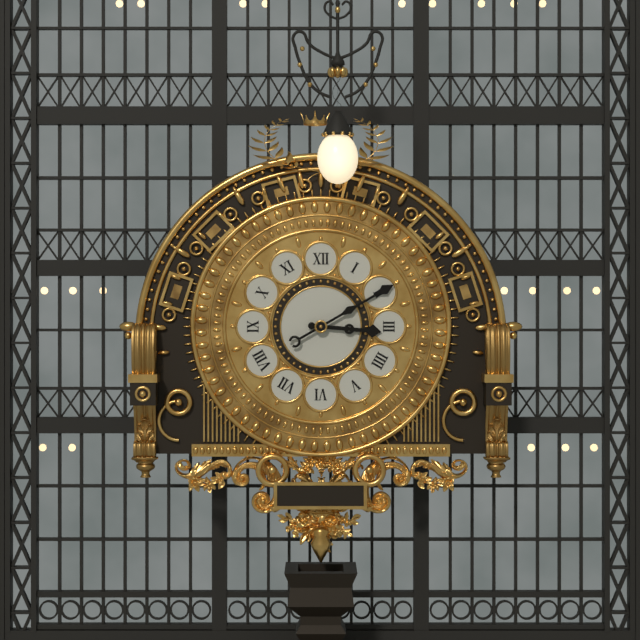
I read 3,10
